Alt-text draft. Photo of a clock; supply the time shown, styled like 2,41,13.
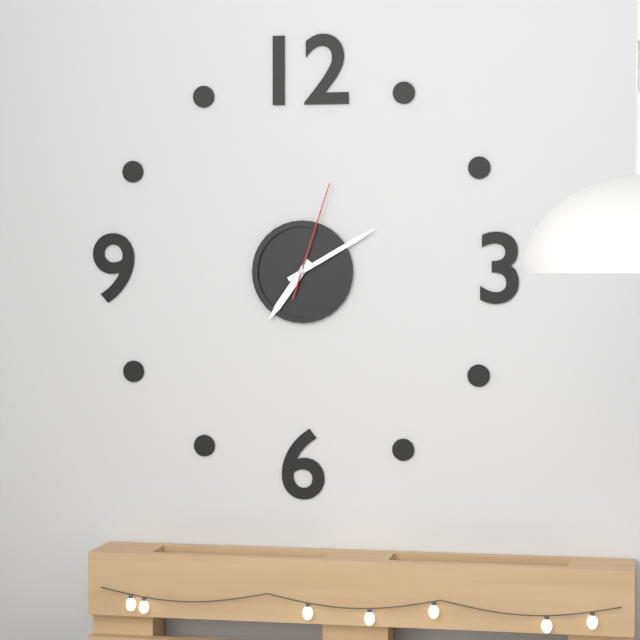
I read 7,10,03
